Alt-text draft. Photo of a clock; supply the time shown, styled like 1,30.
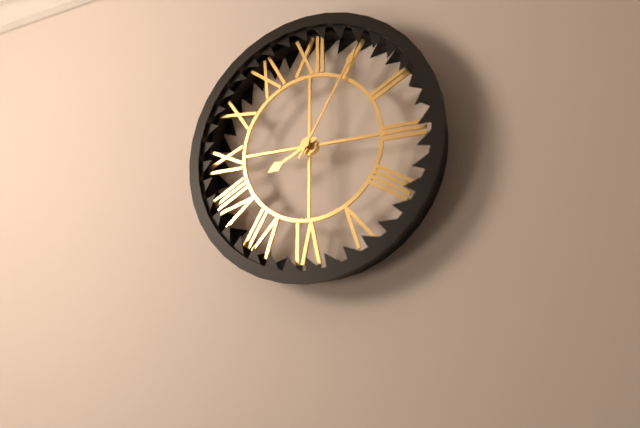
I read 8,05
